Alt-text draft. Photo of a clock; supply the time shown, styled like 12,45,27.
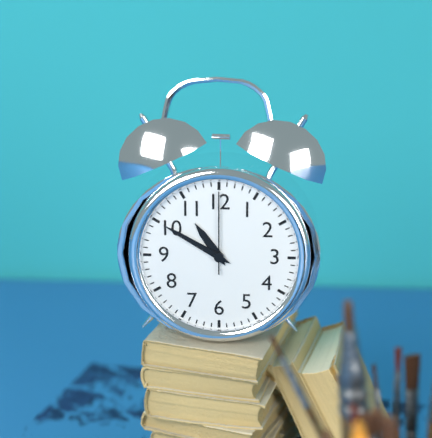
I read 10,50,00
